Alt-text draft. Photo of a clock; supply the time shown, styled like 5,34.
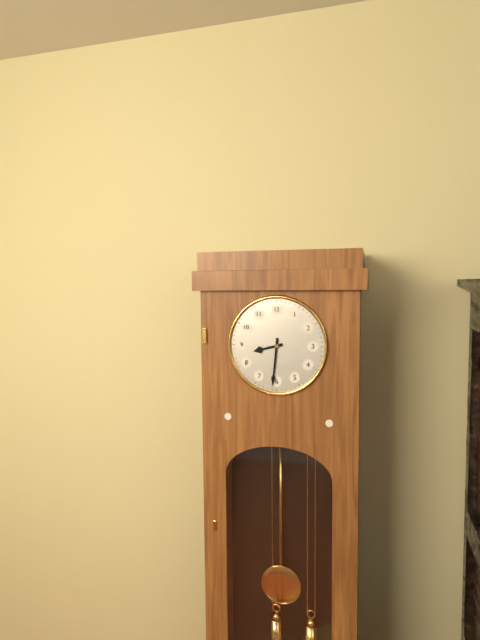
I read 8,31
